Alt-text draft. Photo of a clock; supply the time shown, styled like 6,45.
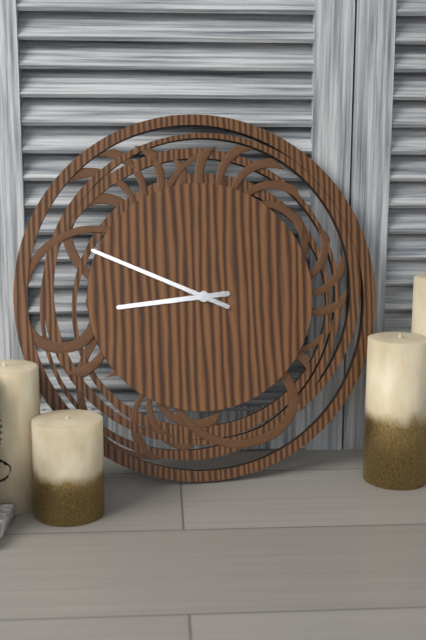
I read 8,49
